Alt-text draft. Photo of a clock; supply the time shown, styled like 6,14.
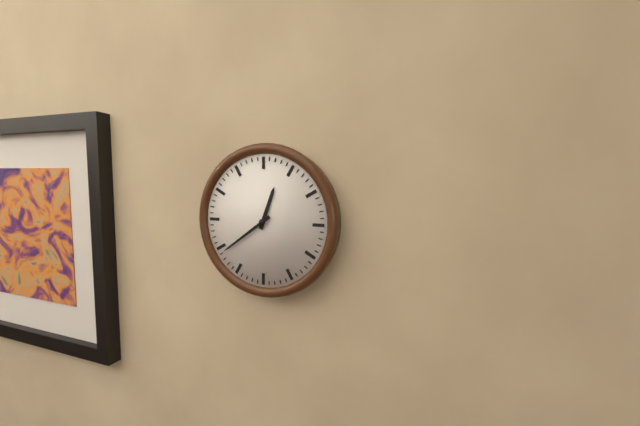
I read 12,39
